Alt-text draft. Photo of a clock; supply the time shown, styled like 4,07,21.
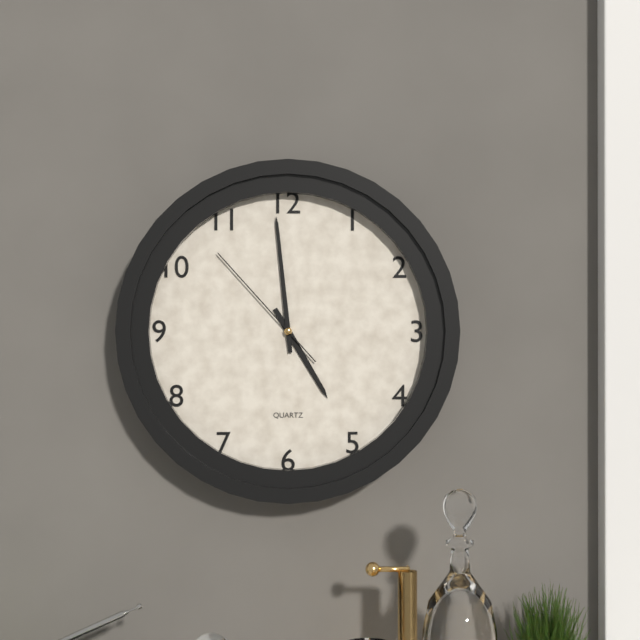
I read 4,59,53
